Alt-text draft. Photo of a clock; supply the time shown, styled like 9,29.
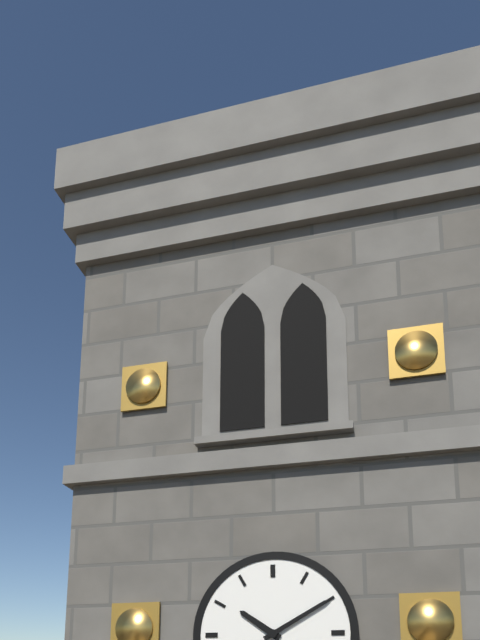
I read 10,10
